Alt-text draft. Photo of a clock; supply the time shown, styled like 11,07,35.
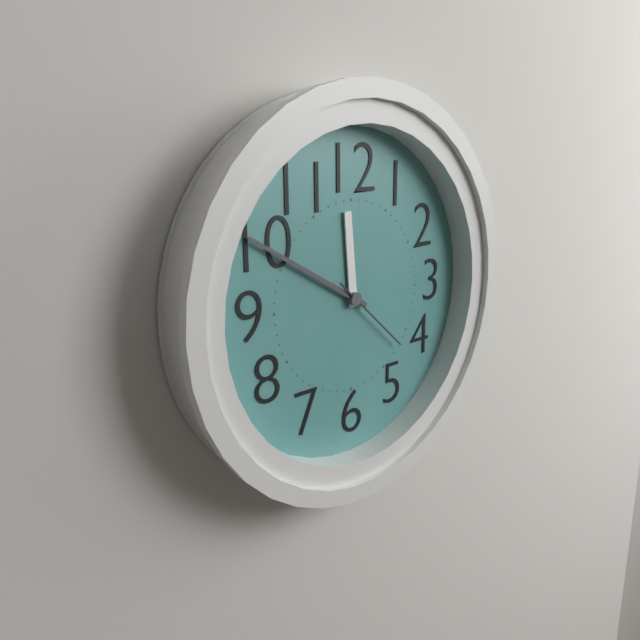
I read 11,50,22
